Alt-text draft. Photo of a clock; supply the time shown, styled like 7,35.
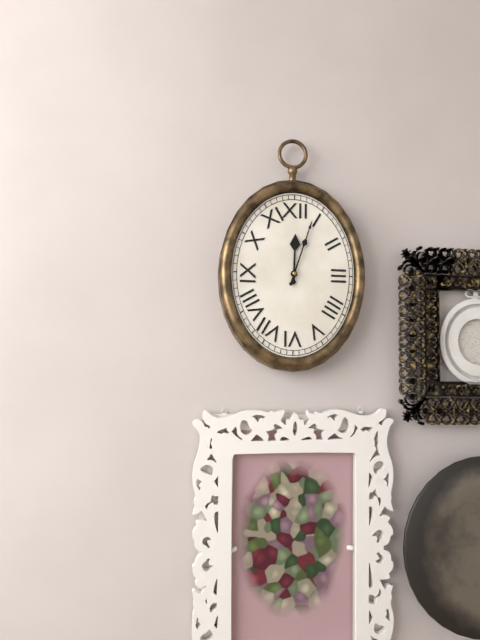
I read 12,03
